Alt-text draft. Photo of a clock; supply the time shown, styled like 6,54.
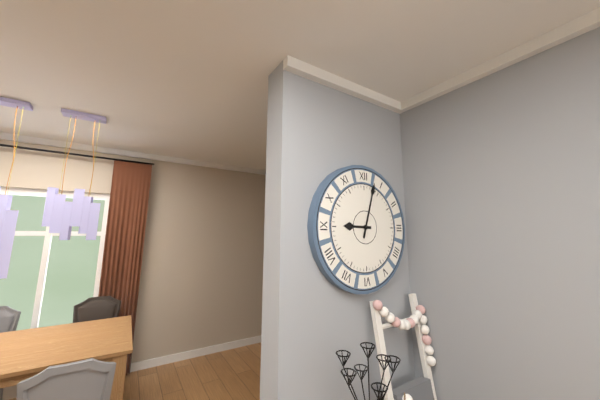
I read 9,03
